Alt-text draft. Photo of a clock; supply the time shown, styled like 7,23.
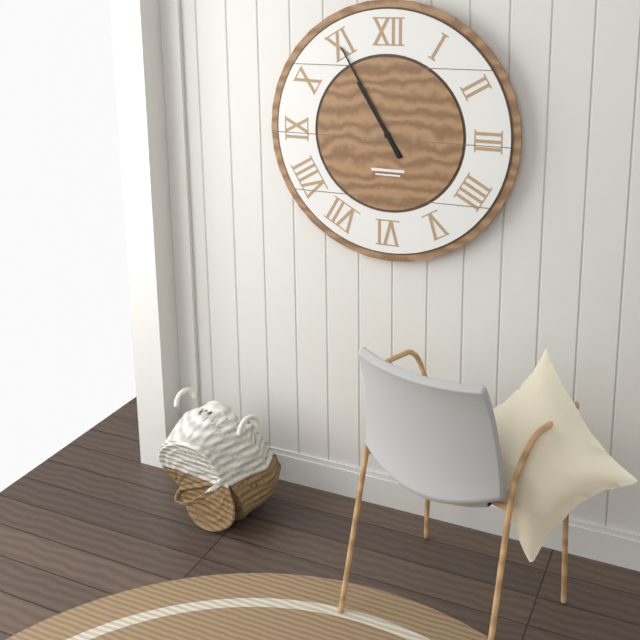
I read 10,55
